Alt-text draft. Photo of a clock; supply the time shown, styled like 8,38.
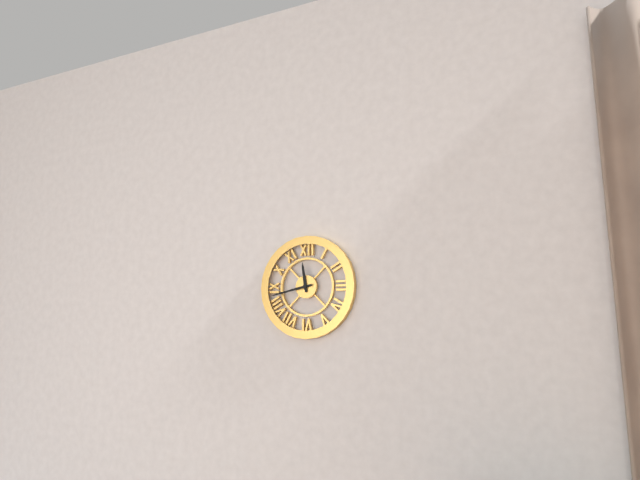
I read 11,43
